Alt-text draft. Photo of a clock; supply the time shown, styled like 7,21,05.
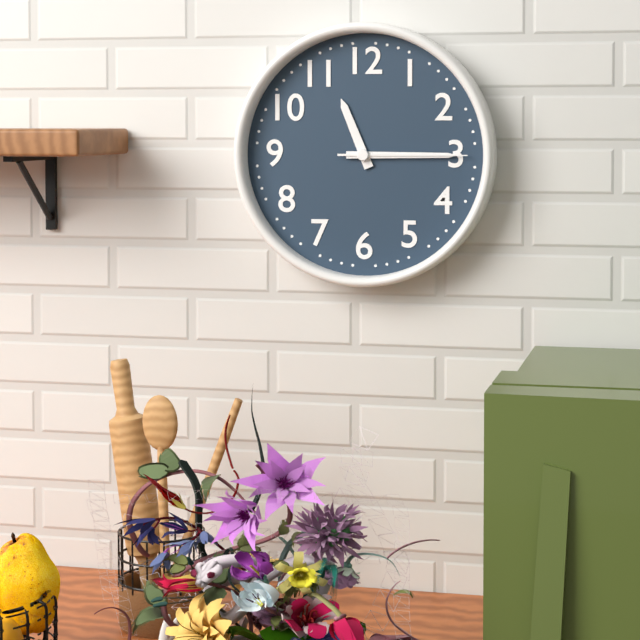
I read 11,15,15
